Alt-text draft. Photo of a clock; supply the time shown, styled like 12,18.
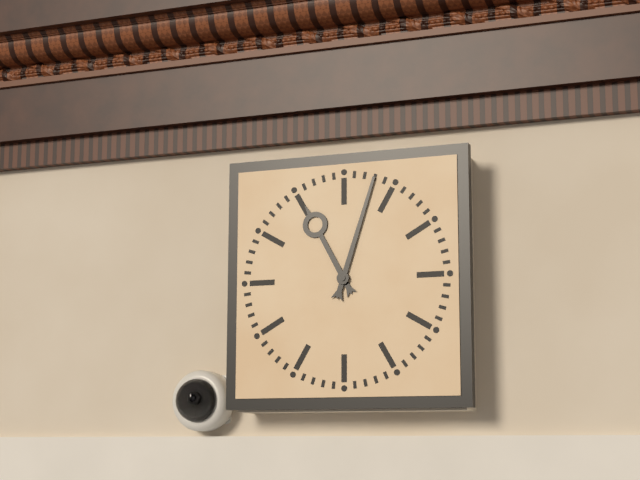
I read 11,03
